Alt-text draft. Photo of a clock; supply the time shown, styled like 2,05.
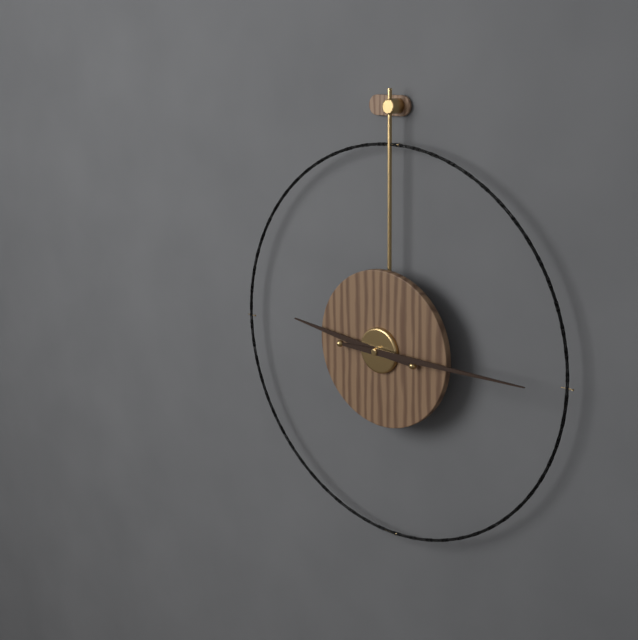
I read 9,15
